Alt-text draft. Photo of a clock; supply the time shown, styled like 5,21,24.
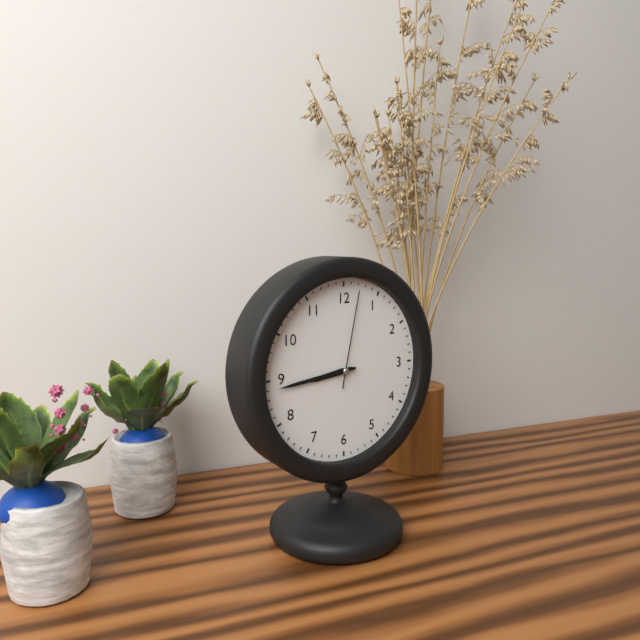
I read 8,44,02
